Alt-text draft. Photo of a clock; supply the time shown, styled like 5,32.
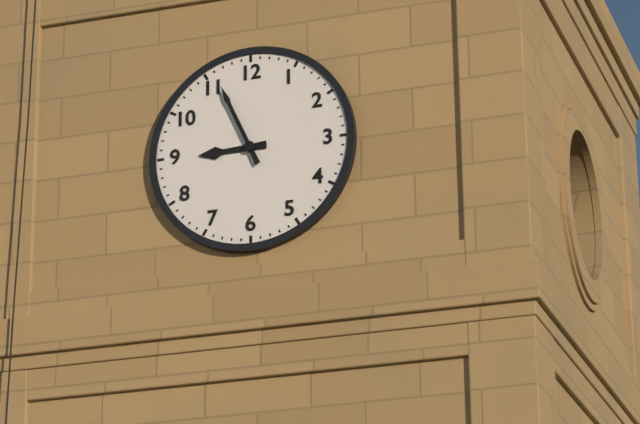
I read 8,56
